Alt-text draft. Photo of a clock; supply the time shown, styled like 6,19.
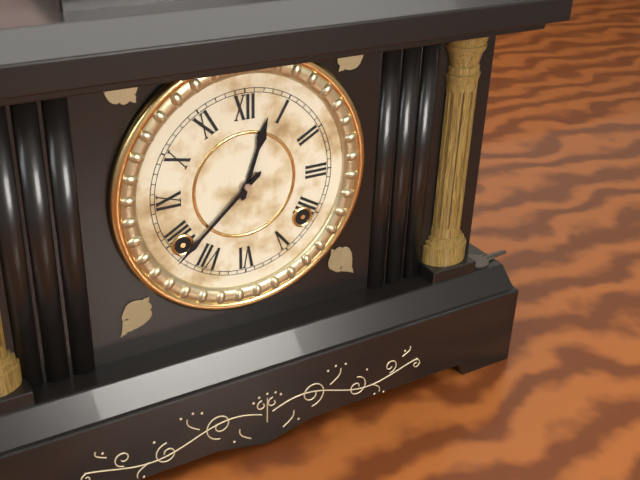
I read 12,38
